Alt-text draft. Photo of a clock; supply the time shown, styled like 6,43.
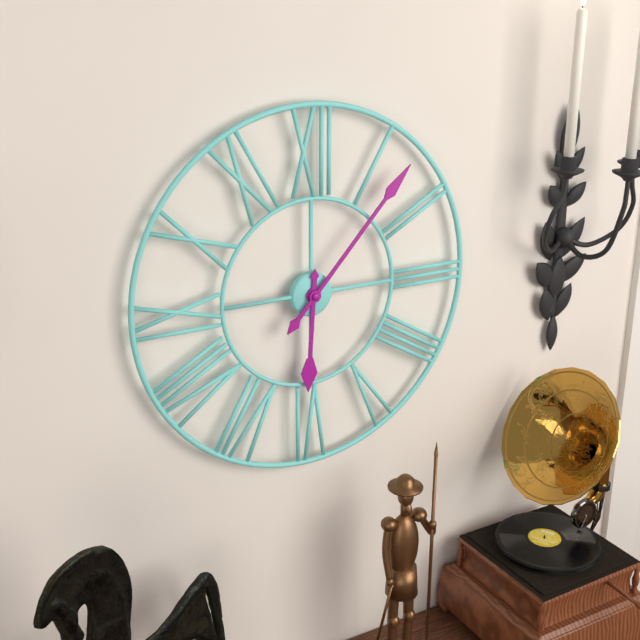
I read 6,07
